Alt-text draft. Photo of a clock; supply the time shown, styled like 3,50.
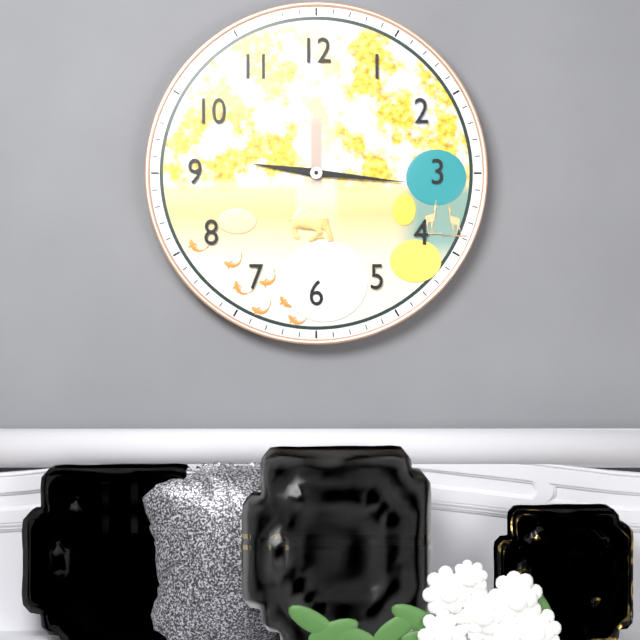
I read 9,16
